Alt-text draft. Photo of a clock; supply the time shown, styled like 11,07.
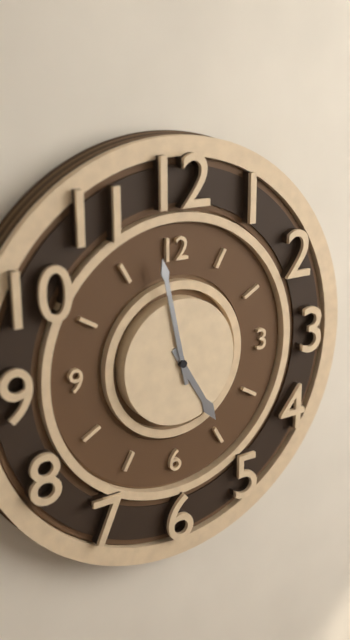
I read 4,58
